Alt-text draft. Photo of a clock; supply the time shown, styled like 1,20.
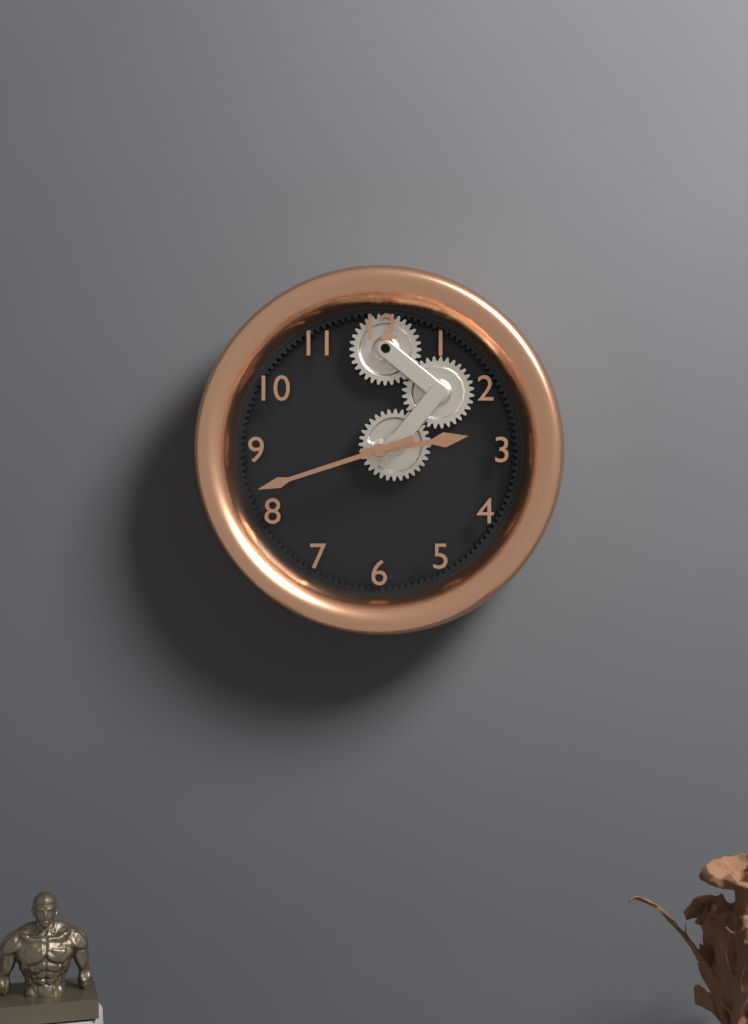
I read 2,42
